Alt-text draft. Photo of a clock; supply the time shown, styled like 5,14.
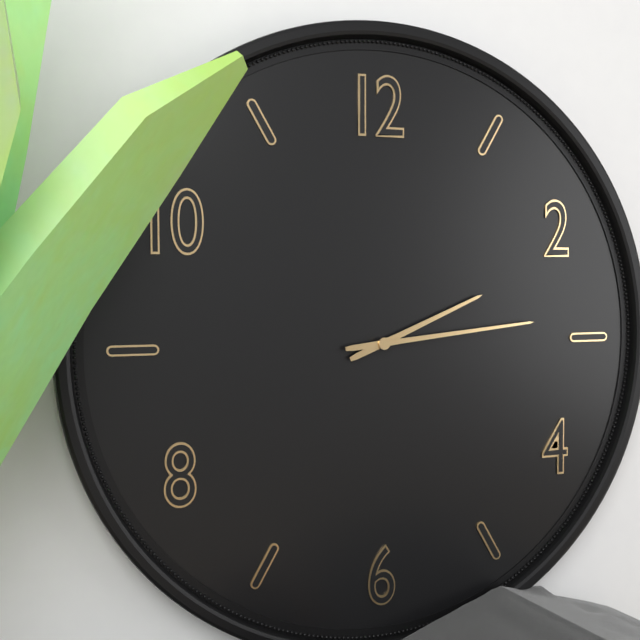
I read 2,14
